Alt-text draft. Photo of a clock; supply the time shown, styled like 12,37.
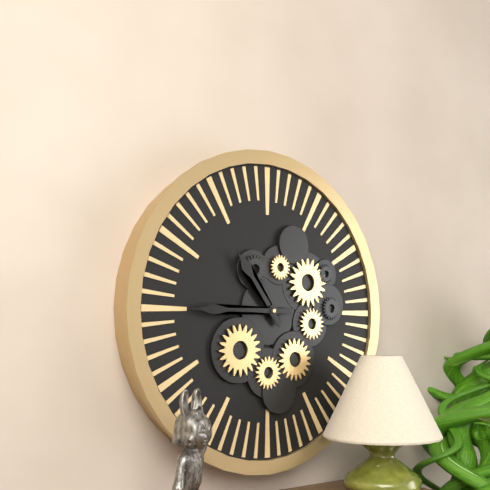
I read 10,45
